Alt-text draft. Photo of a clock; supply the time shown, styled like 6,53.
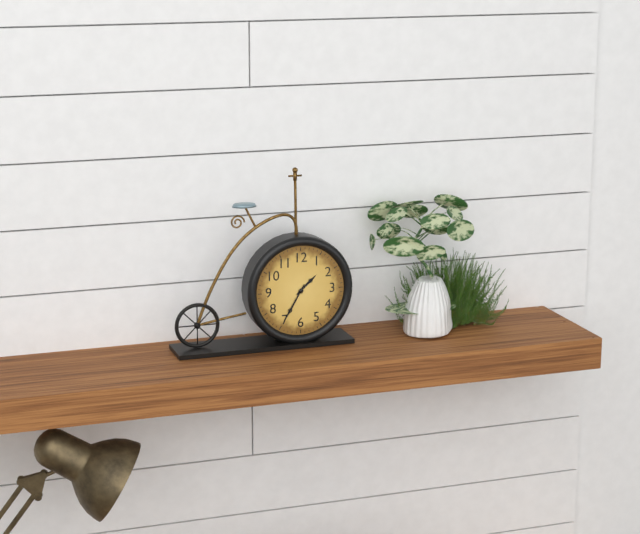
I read 1,35
